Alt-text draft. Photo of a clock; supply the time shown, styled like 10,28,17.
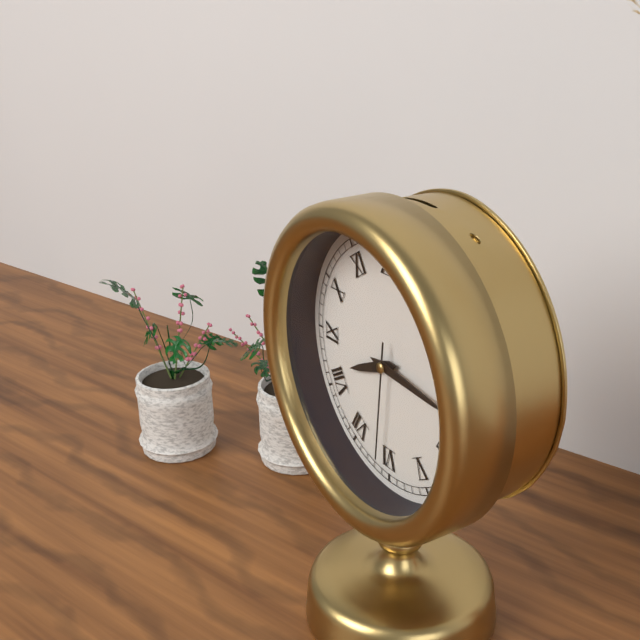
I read 8,16,31
